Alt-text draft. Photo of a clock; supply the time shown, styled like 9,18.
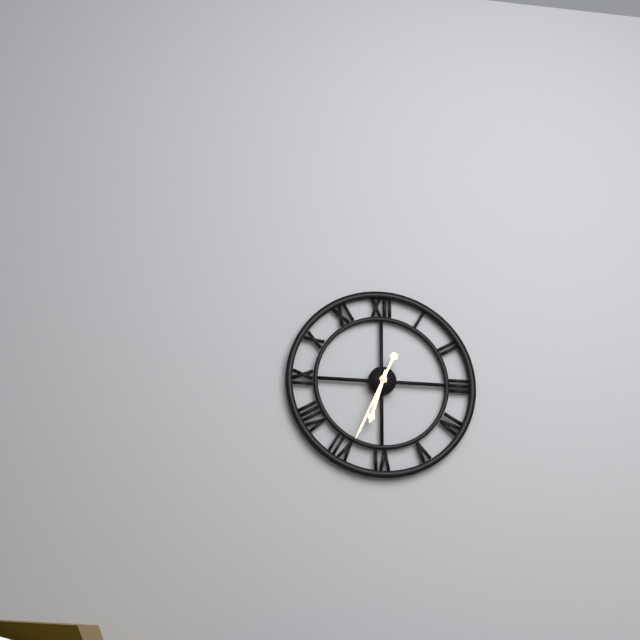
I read 6,34
